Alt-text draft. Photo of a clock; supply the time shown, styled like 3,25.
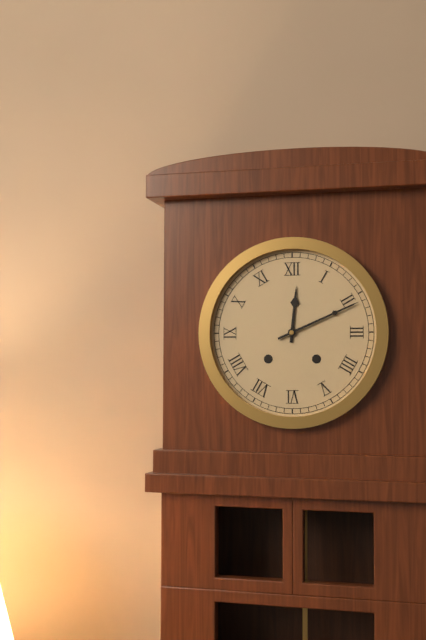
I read 12,11
